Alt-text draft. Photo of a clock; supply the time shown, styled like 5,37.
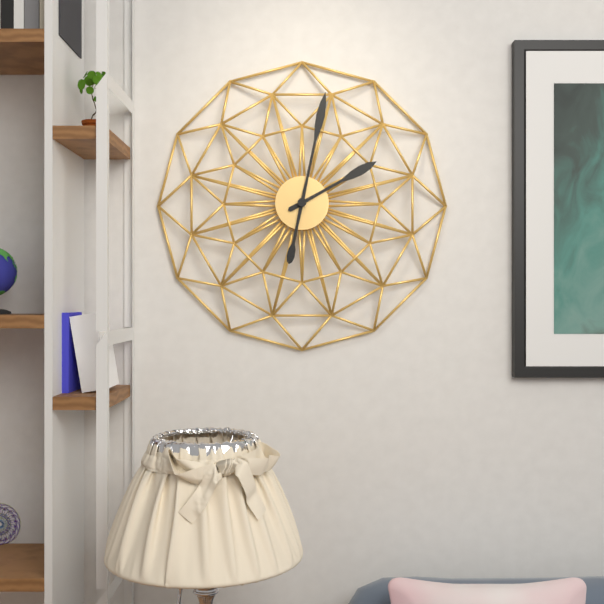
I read 2,02
